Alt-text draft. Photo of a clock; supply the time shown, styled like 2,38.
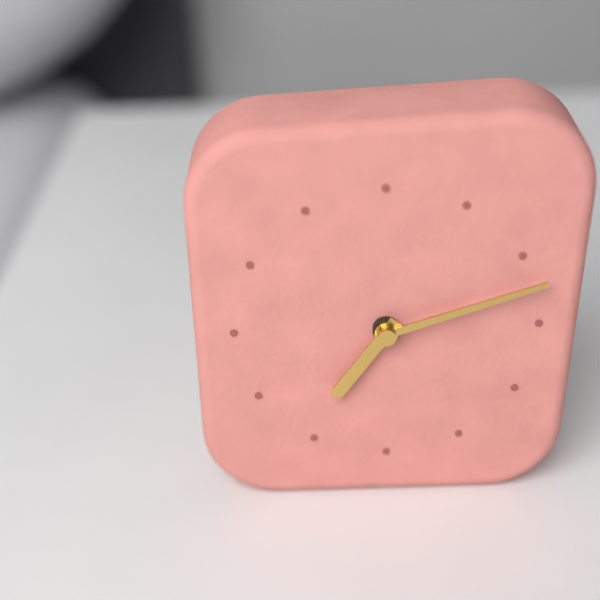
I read 7,12
